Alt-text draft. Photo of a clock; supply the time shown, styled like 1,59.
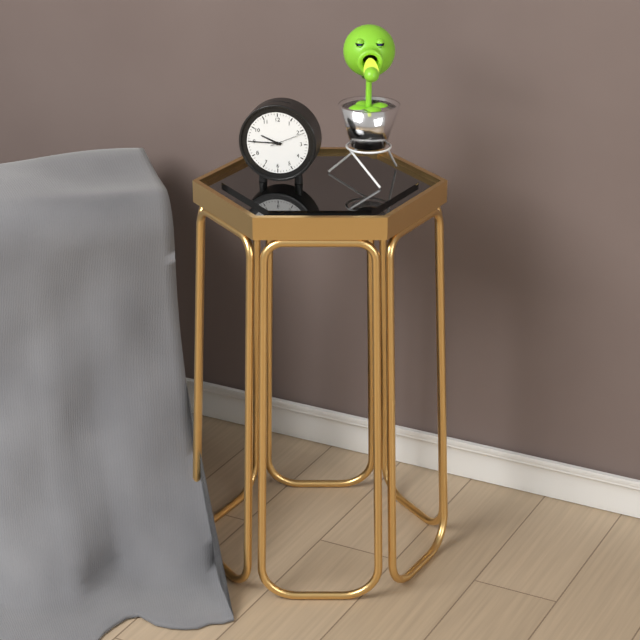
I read 9,45
